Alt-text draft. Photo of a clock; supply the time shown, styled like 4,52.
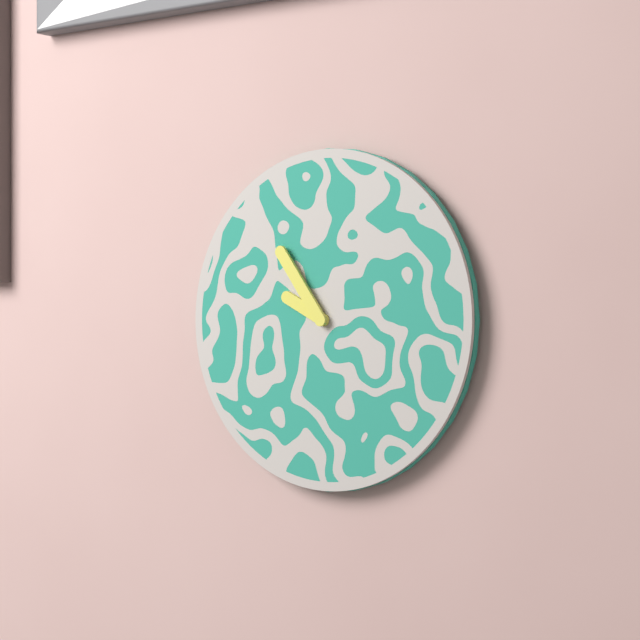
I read 9,54
